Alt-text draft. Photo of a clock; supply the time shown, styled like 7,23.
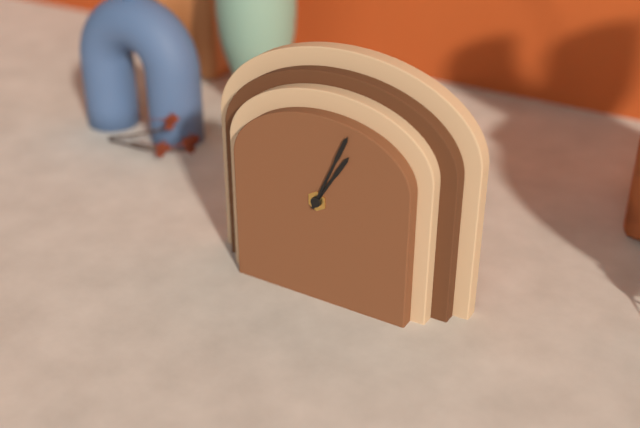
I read 1,04
